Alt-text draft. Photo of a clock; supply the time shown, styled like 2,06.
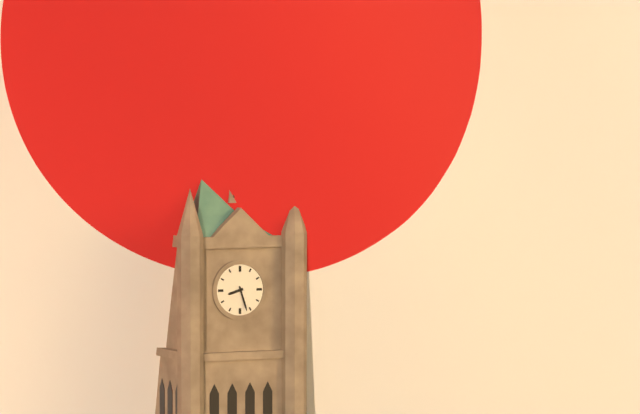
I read 8,27
